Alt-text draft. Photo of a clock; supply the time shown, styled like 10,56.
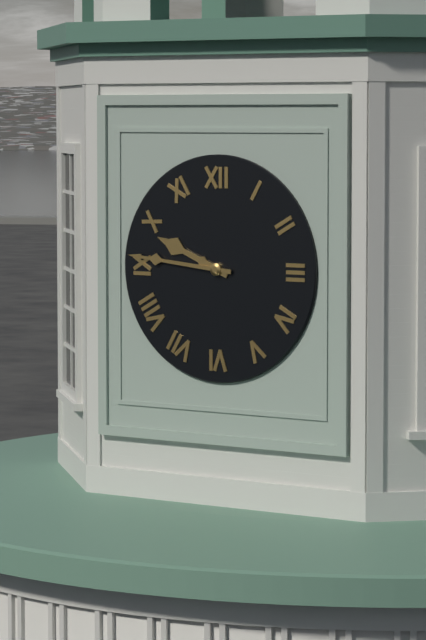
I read 9,46
